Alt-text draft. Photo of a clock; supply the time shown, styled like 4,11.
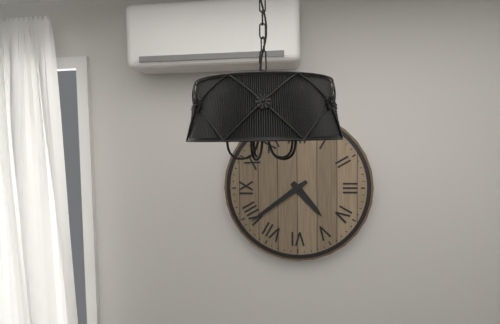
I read 4,39
